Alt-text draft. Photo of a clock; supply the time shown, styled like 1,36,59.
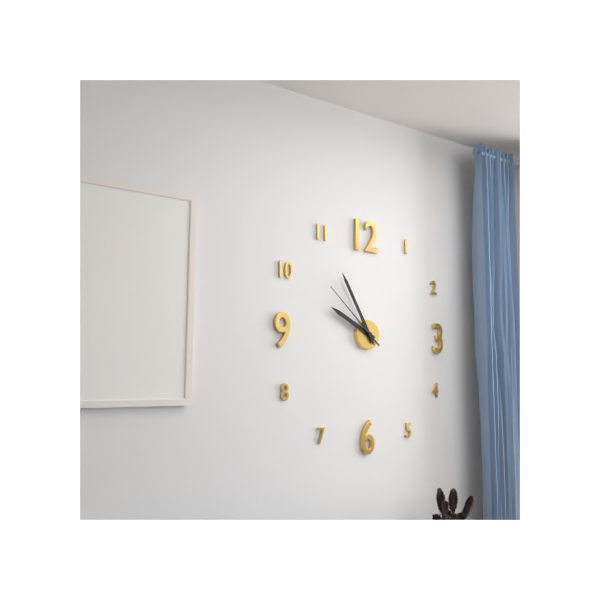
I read 9,55,52
